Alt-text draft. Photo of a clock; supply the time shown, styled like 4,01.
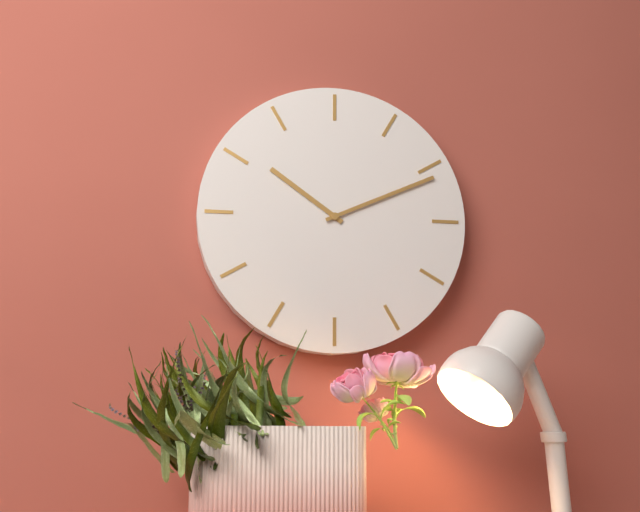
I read 10,11
